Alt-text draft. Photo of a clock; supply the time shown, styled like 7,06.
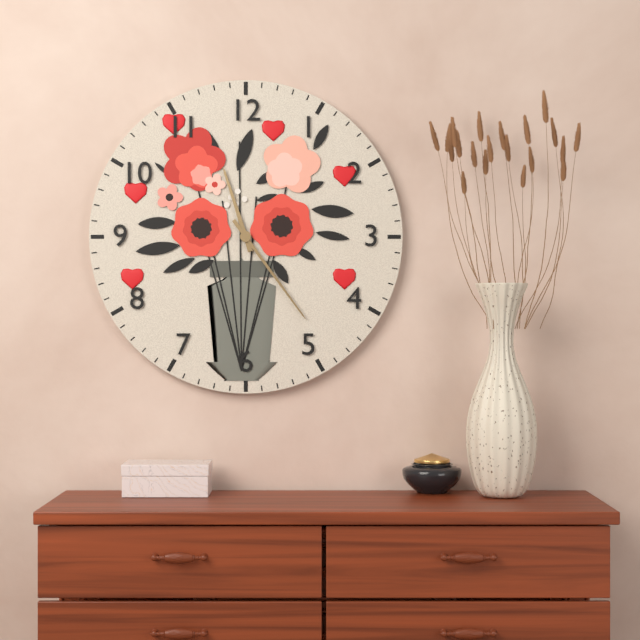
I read 11,24
